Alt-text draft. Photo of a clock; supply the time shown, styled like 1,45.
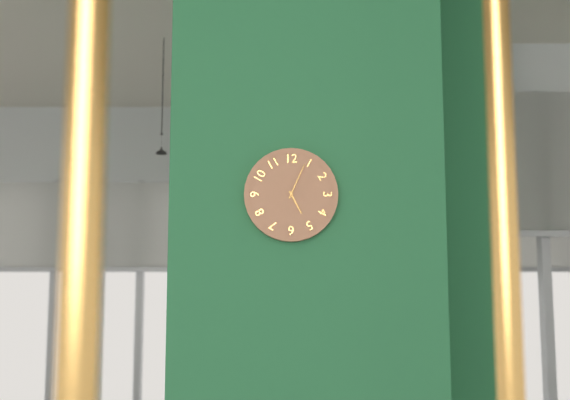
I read 5,04
